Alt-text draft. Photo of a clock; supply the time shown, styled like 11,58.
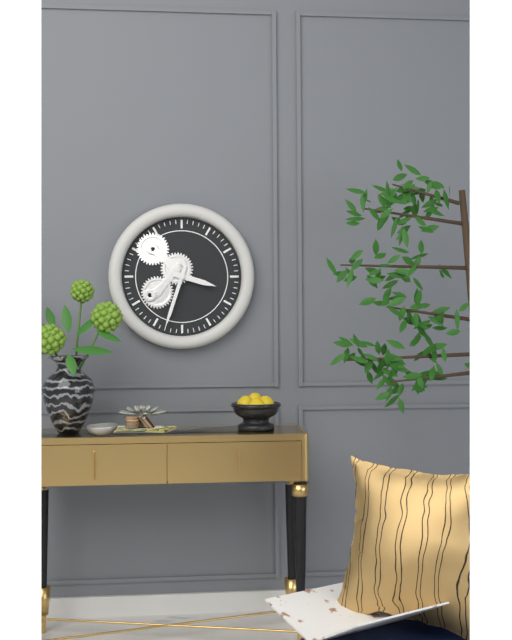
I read 3,33
